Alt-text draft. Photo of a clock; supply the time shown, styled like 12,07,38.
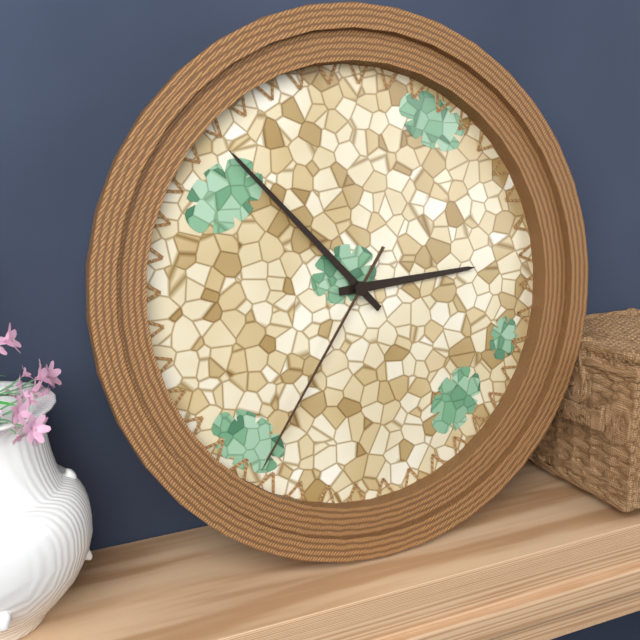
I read 2,53,36
